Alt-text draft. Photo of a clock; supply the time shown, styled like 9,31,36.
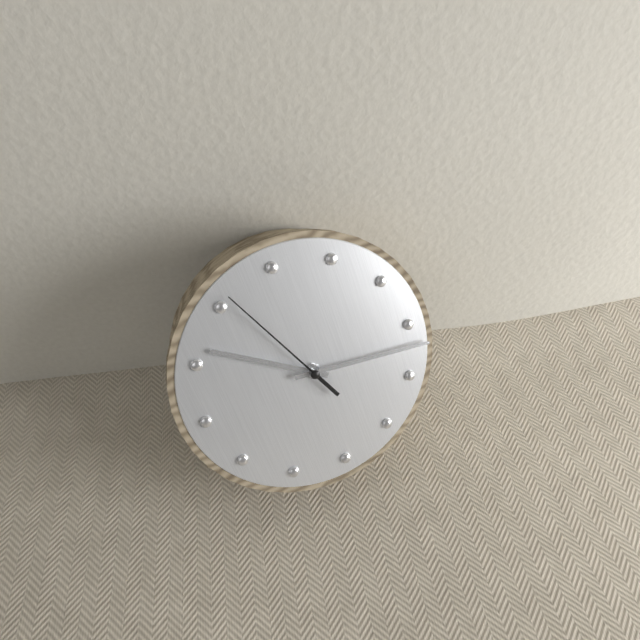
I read 10,17,56
